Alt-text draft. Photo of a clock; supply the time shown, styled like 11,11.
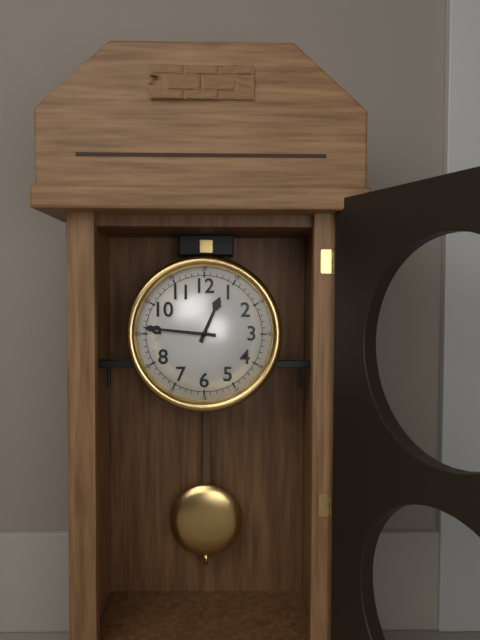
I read 12,46
